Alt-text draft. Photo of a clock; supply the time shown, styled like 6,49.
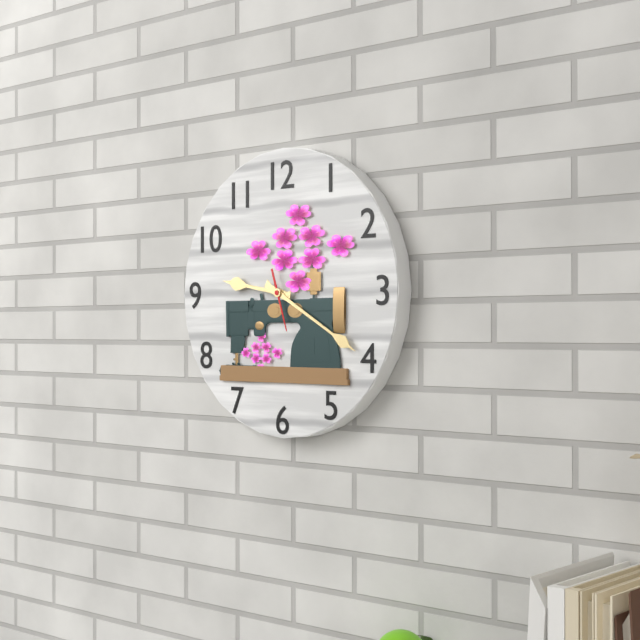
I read 9,20
